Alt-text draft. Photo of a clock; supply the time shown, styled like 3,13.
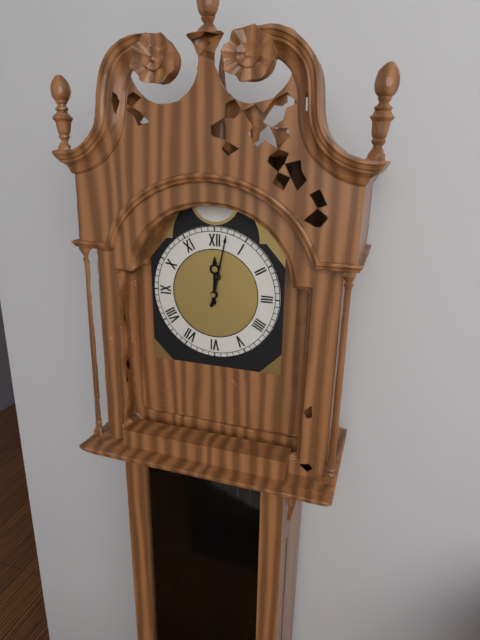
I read 12,02
